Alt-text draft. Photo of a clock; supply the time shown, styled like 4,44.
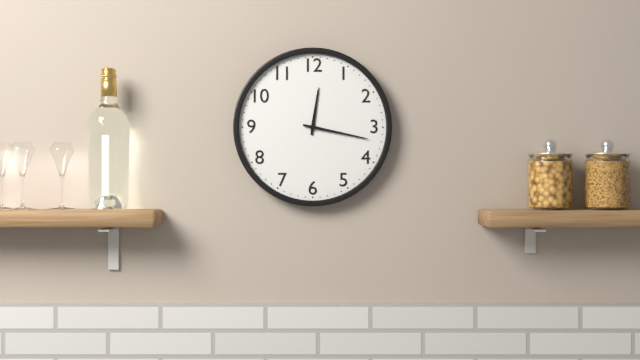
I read 12,17
